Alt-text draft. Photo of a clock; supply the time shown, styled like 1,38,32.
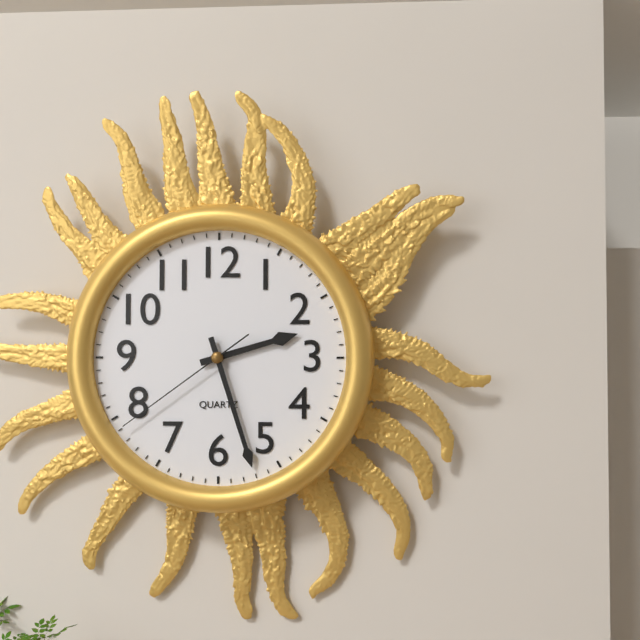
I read 2,27,39
